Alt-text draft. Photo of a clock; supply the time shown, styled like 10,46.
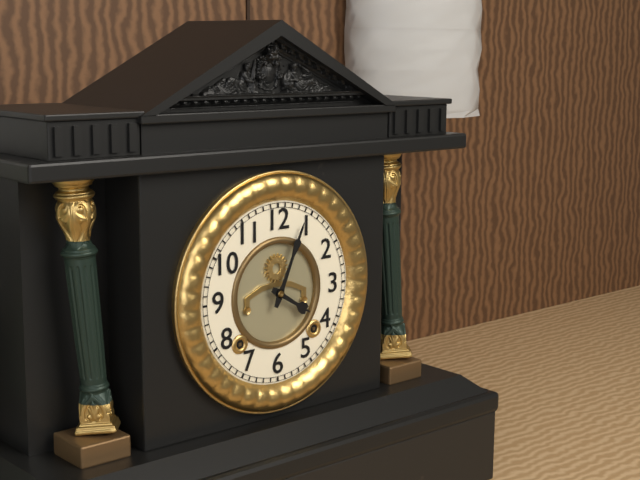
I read 4,04
